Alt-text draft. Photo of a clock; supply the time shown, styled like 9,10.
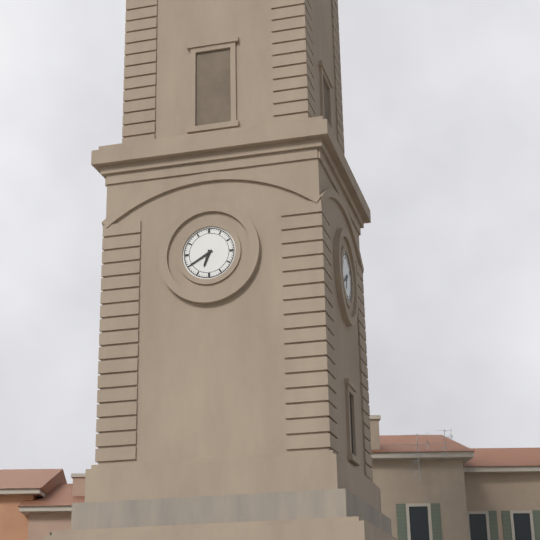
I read 6,40
